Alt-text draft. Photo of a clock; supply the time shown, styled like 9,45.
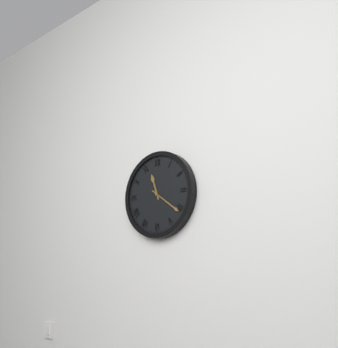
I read 11,21
